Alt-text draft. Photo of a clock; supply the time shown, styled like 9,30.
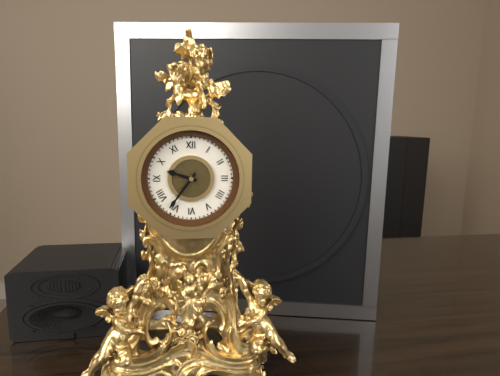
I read 9,36
